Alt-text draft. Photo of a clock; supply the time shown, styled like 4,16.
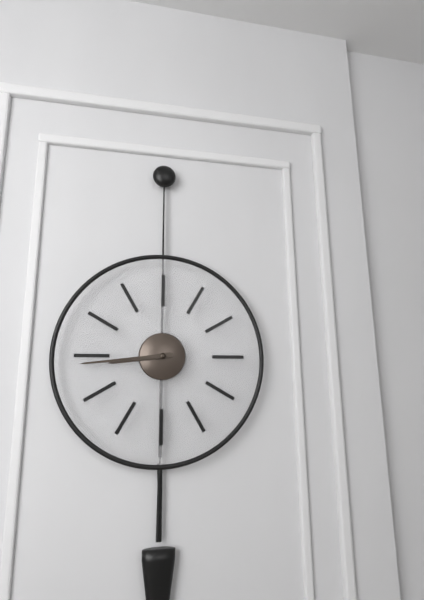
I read 8,44
